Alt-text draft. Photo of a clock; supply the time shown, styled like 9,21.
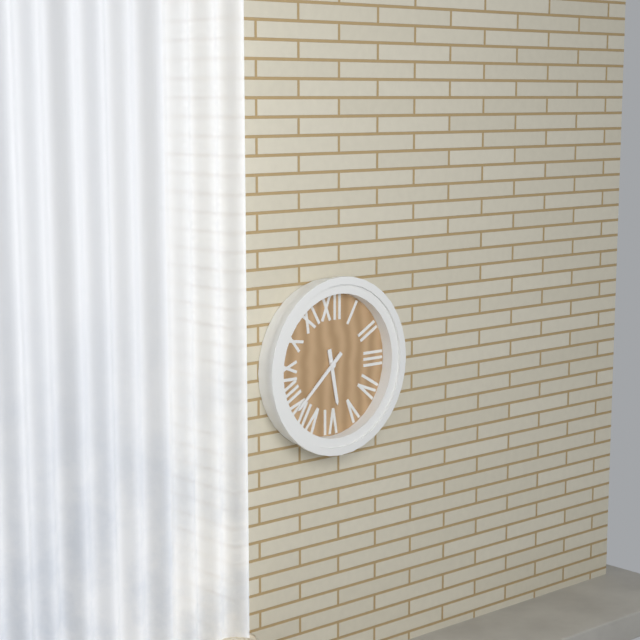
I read 5,38
